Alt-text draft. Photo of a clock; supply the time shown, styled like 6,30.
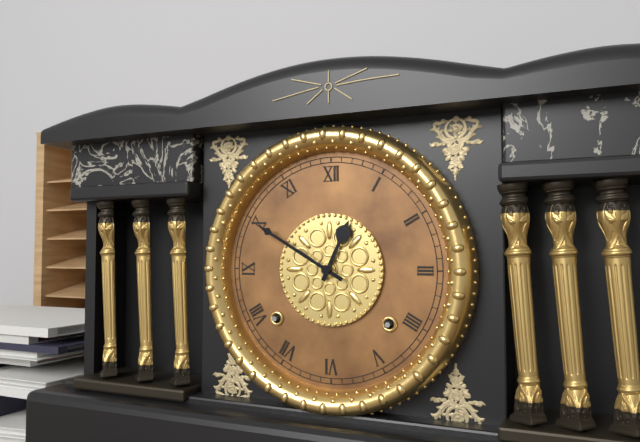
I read 12,50
